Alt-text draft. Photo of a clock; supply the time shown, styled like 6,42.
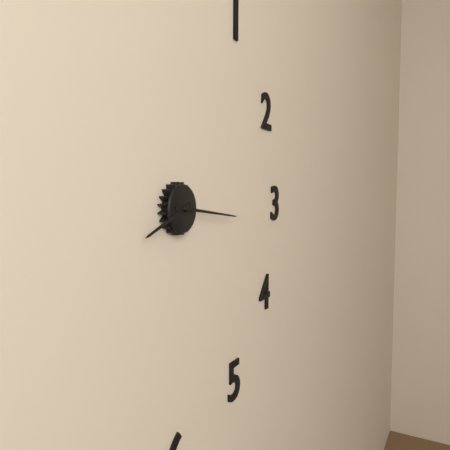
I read 8,16
